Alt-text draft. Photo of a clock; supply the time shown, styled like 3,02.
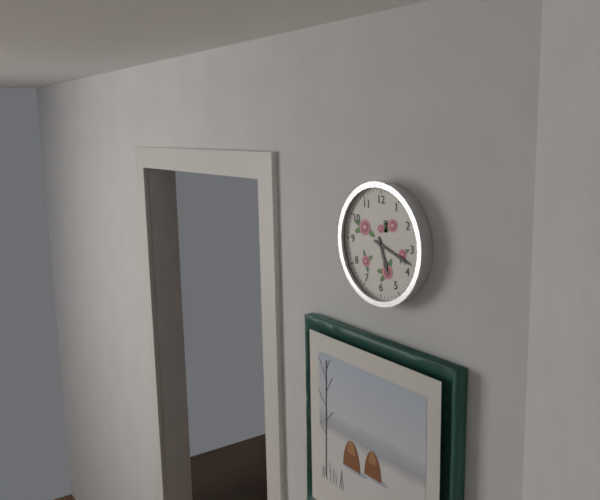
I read 5,18
